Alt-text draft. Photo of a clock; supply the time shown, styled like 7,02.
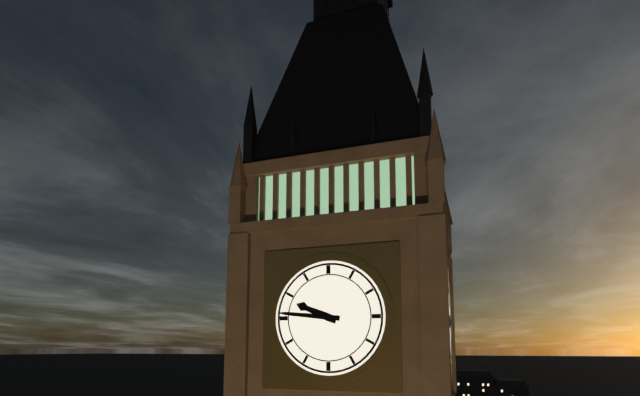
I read 9,46
